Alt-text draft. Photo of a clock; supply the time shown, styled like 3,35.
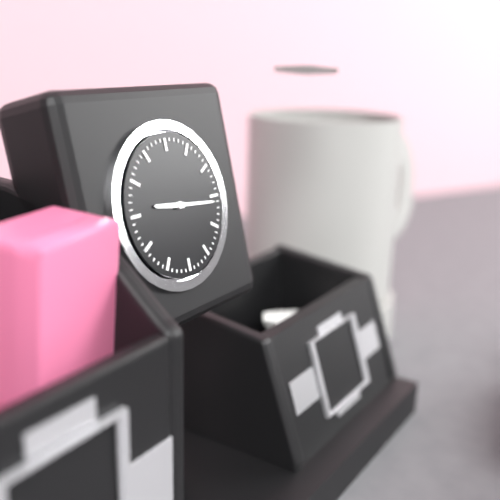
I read 9,16
